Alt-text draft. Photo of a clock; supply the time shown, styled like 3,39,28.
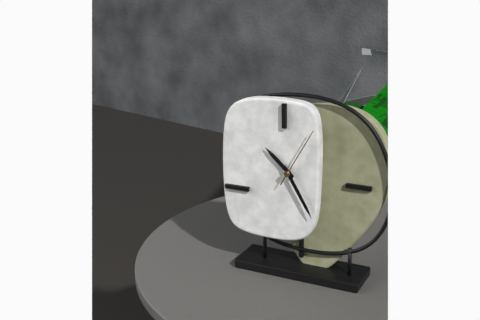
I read 10,25,05
